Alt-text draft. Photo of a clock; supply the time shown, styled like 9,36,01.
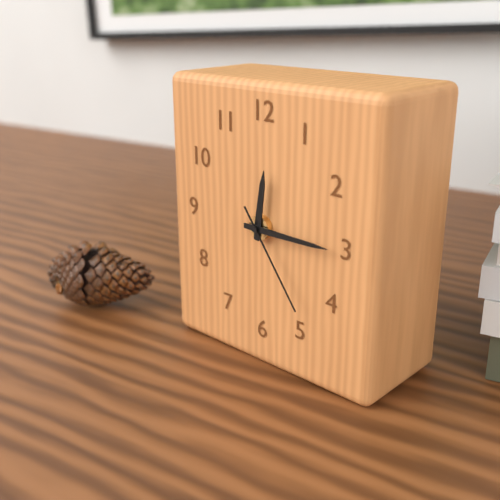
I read 12,15,24
